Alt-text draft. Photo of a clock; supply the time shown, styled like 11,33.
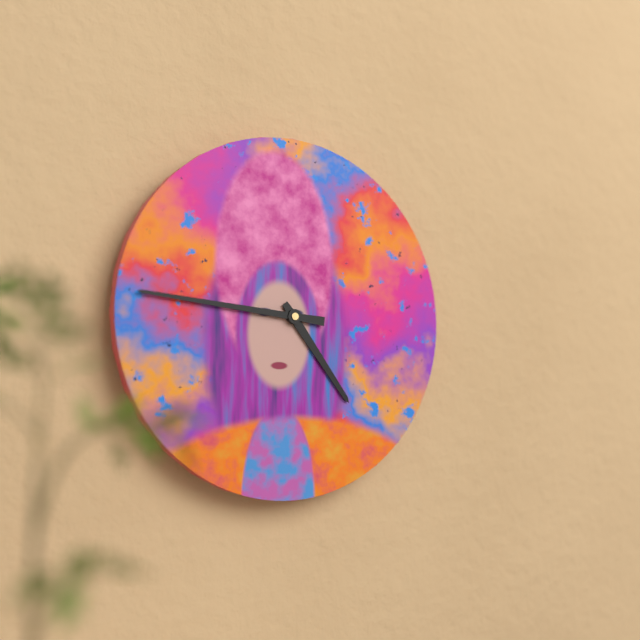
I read 4,46
